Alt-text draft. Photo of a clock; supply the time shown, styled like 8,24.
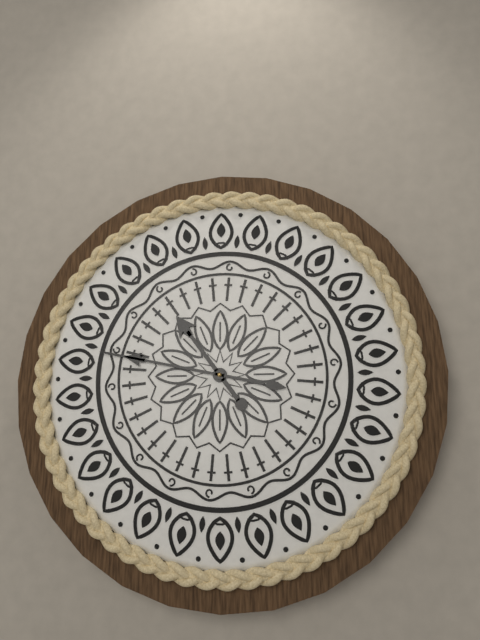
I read 10,47
